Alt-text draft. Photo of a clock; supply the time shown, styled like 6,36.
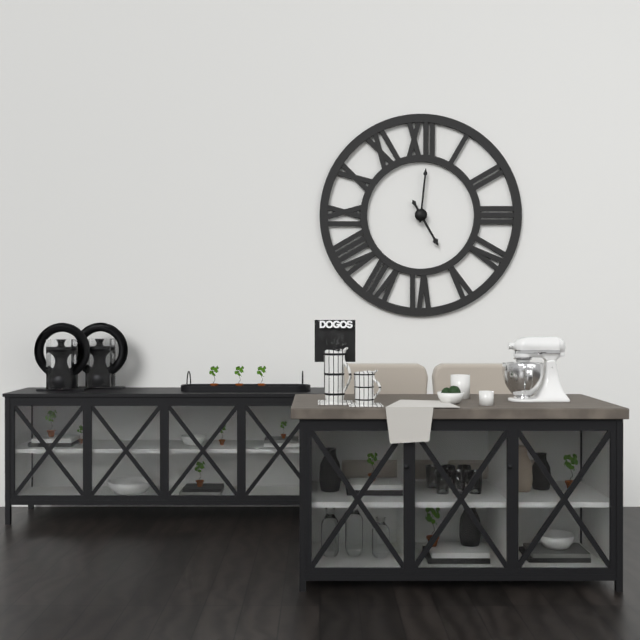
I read 5,01
